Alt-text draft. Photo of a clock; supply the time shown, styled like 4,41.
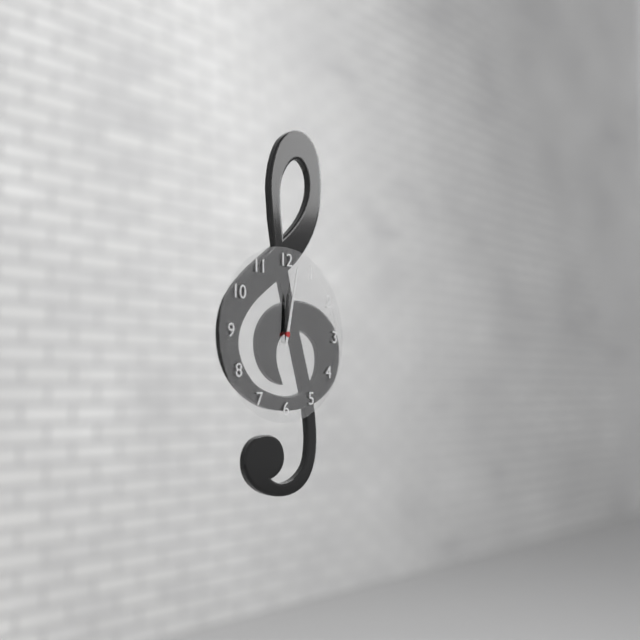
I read 12,02
